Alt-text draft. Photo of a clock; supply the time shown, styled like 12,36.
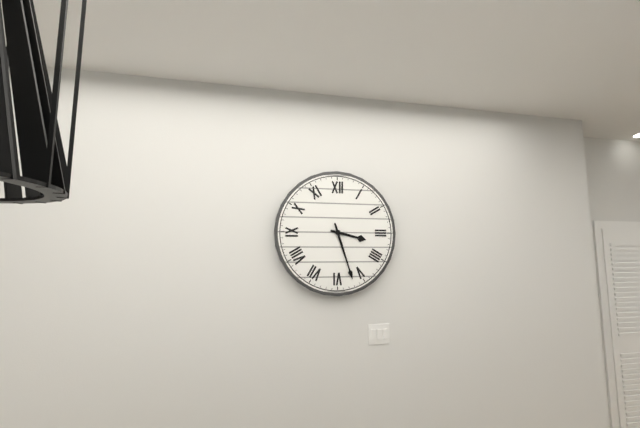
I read 3,27
